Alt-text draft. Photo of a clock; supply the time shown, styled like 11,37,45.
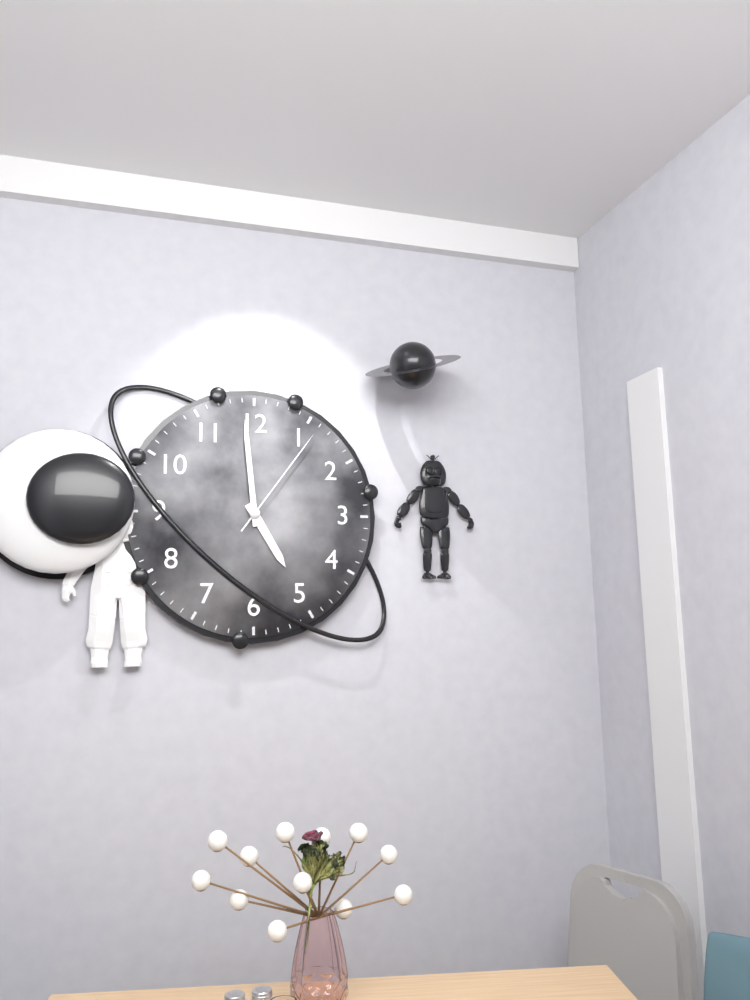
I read 4,59,06
